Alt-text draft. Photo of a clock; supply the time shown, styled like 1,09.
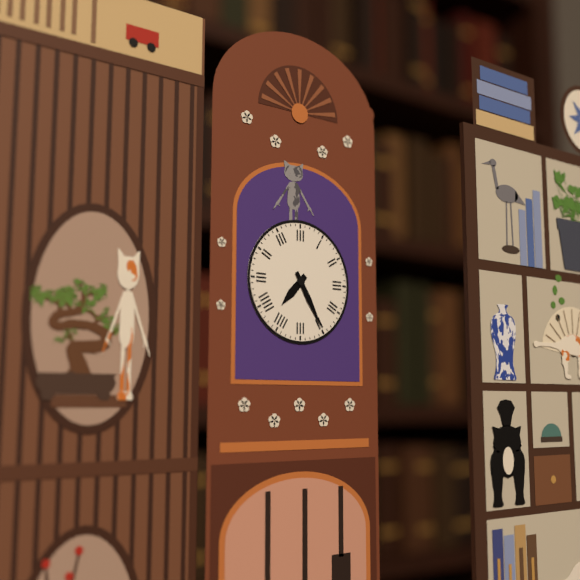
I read 7,25
